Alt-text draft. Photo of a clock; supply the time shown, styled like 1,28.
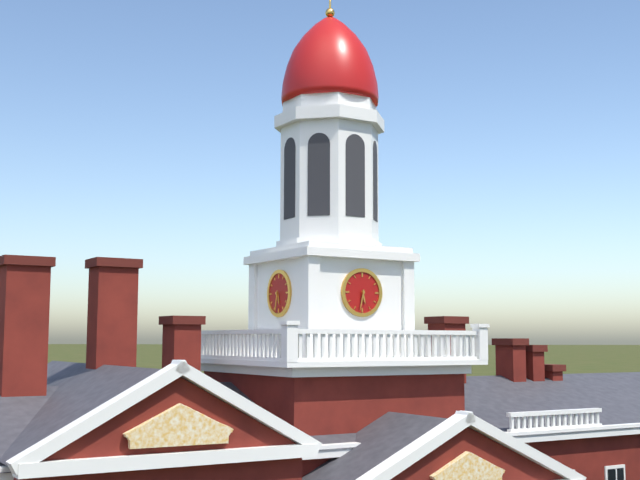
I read 5,32
